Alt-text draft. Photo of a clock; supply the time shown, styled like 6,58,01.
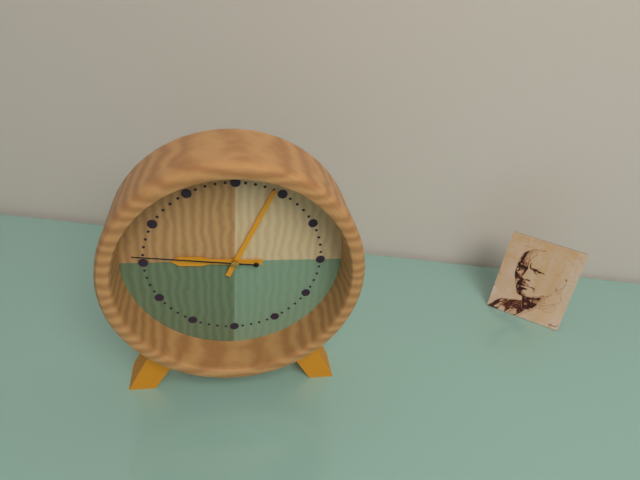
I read 9,04,46
